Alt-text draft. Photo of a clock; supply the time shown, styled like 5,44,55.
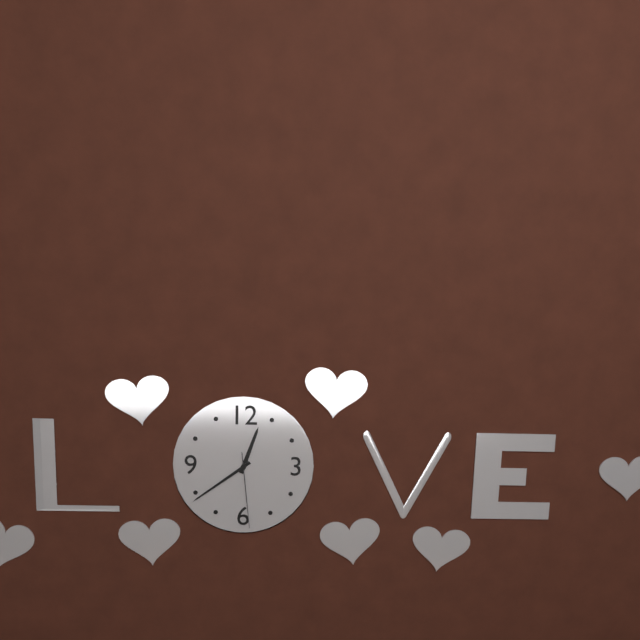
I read 12,39,29
